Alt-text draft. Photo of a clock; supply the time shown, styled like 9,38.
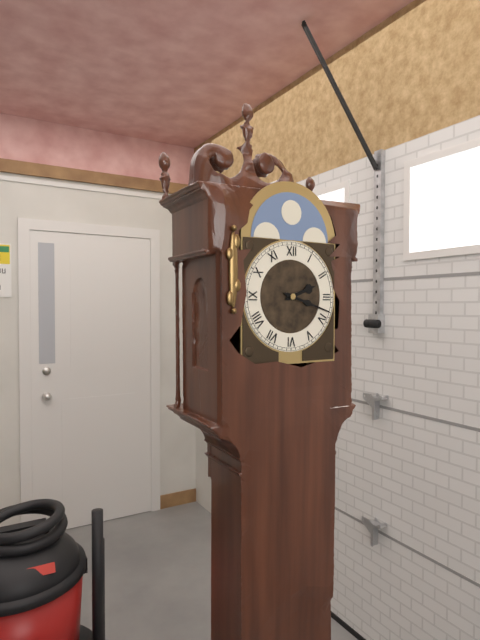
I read 2,18
